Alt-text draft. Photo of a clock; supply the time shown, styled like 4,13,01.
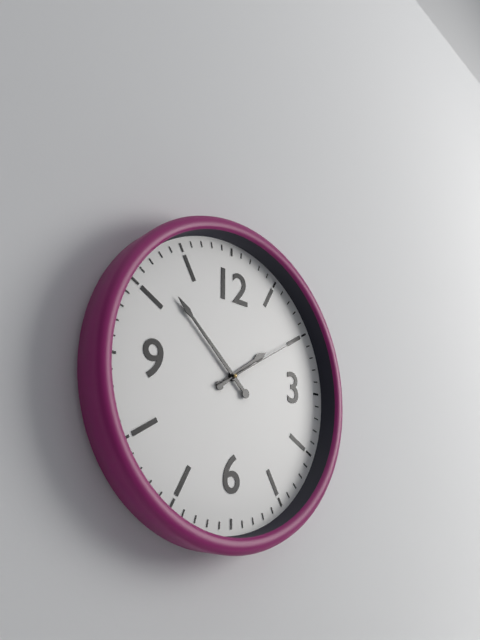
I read 1,52,10
